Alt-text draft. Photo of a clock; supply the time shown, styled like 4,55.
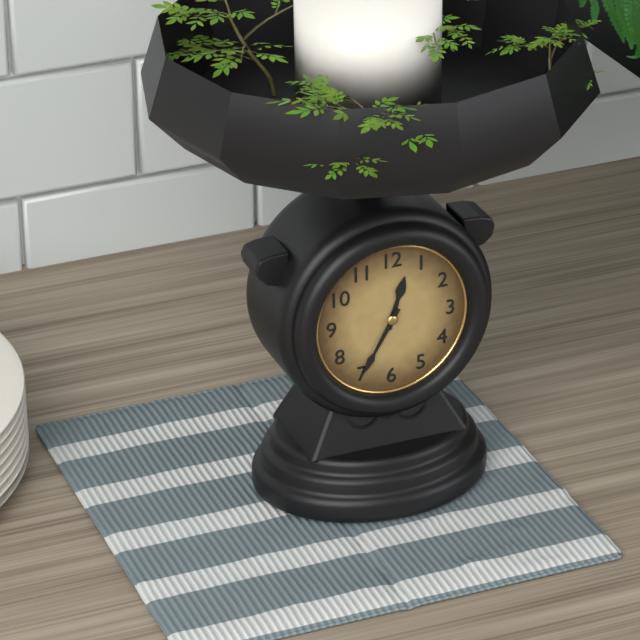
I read 12,35
